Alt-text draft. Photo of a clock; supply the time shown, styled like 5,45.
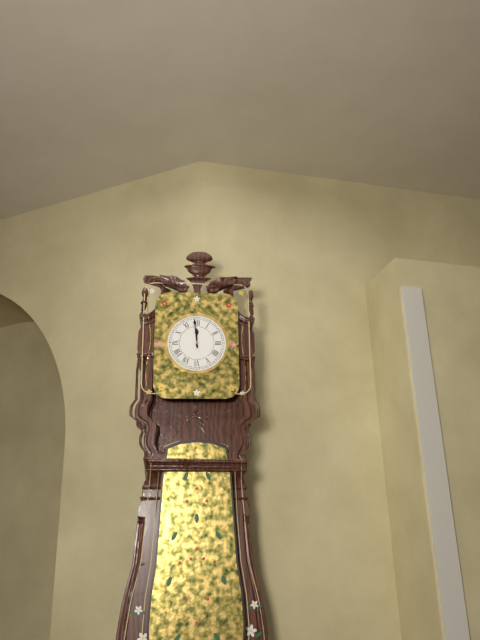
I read 11,59
